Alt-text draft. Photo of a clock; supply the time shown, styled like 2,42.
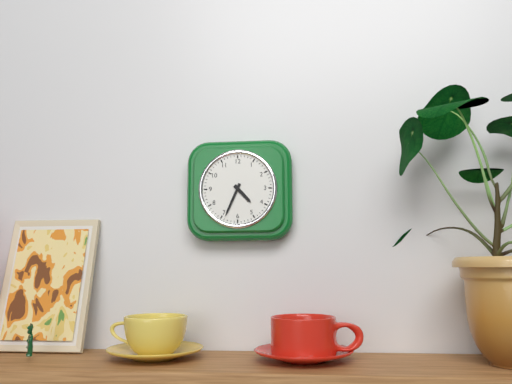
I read 4,34
